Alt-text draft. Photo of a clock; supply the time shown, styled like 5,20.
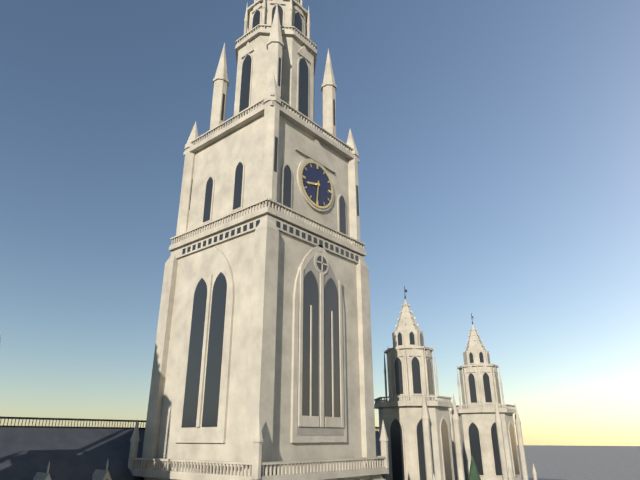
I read 8,31
